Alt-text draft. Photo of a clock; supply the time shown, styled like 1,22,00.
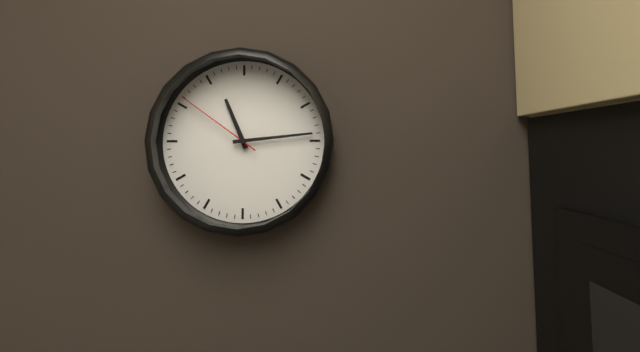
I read 11,14,51
